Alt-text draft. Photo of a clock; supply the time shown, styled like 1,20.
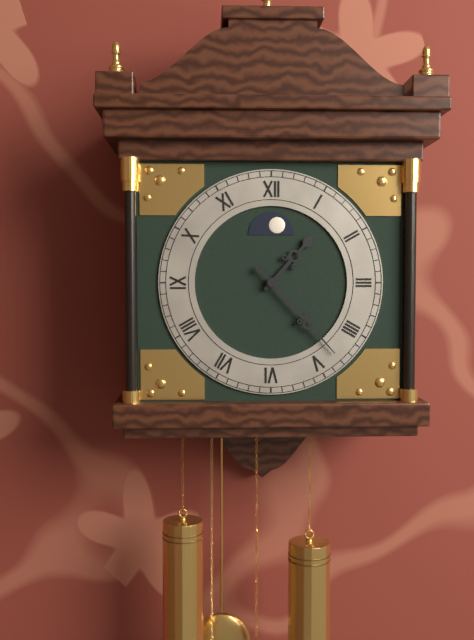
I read 1,23
